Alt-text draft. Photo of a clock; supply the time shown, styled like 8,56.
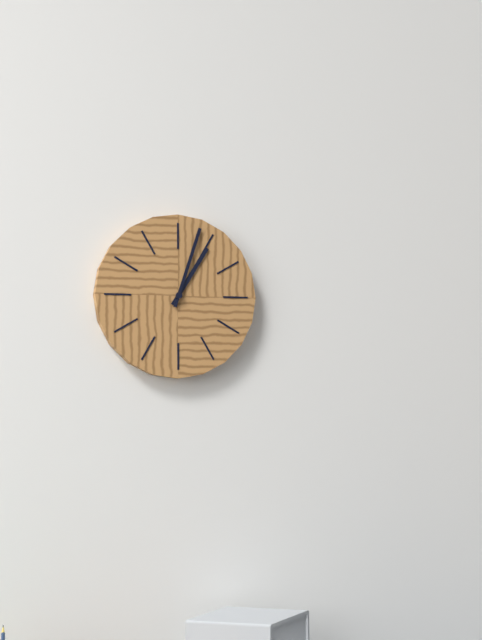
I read 1,03
